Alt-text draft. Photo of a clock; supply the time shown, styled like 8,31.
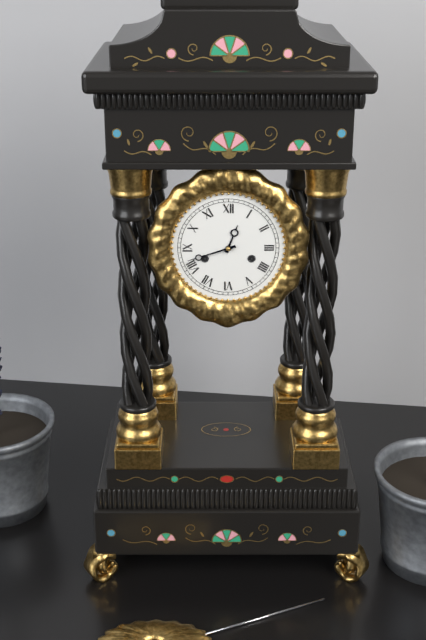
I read 12,42
